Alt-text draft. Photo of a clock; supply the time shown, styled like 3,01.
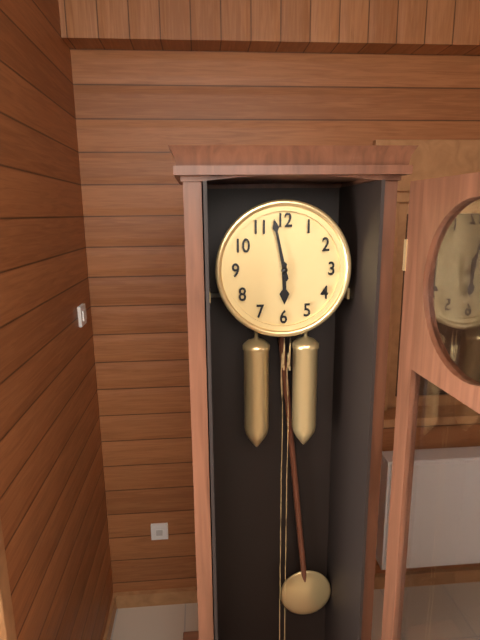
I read 5,58
